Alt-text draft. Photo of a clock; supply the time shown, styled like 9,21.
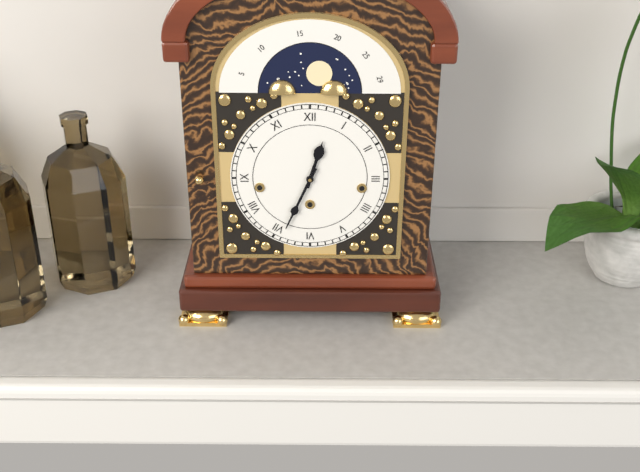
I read 12,34
